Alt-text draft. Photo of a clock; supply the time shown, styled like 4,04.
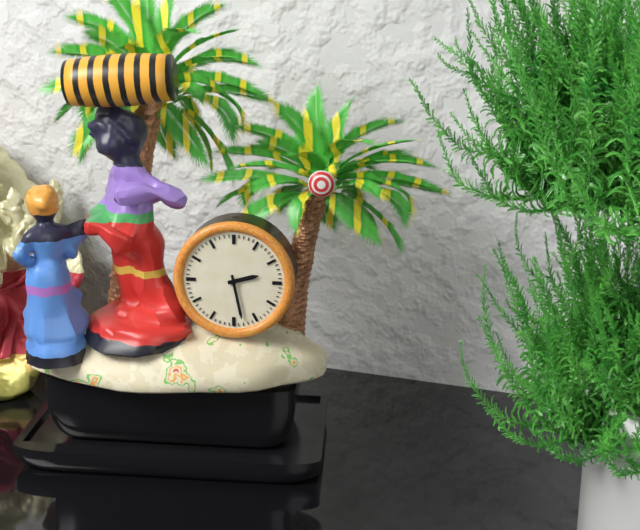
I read 2,28
